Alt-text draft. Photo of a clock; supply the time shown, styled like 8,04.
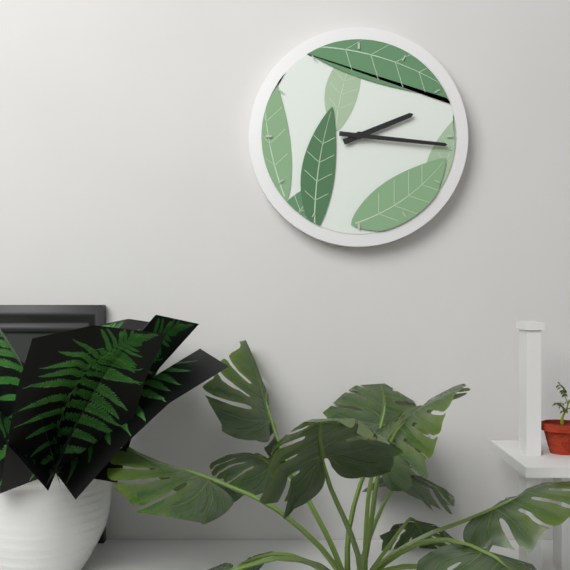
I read 2,16
